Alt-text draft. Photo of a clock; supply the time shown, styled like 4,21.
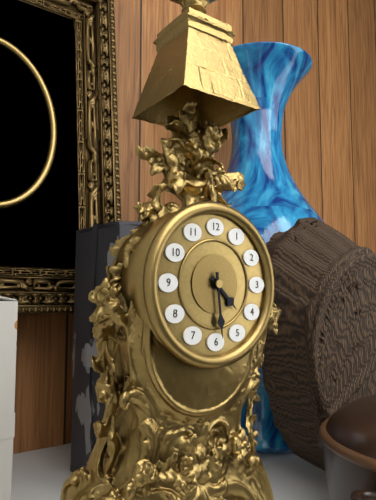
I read 4,29
